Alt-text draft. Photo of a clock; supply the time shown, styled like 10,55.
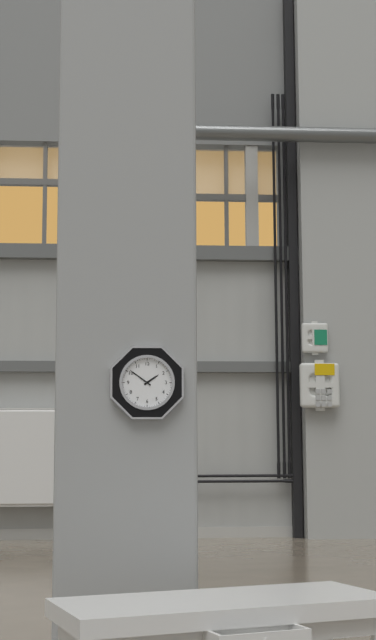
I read 1,51
